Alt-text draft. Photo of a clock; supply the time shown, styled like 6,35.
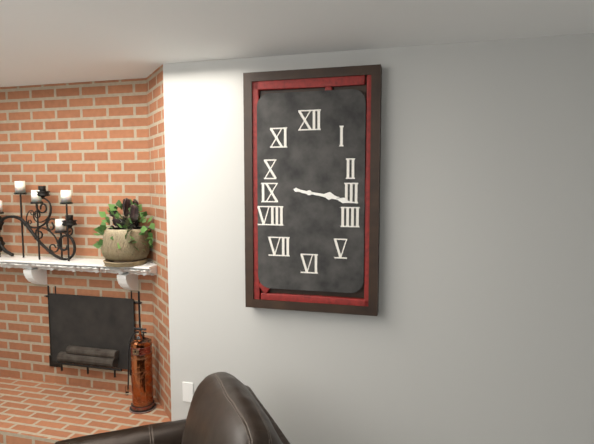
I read 3,17
